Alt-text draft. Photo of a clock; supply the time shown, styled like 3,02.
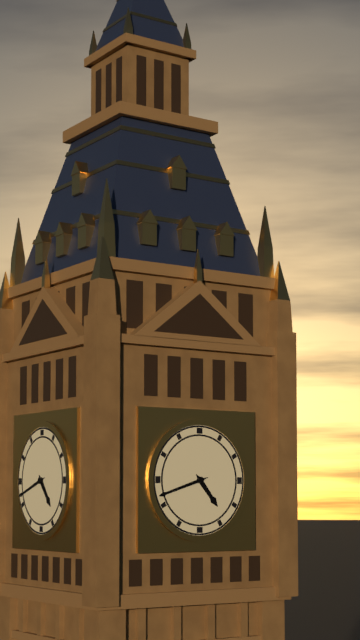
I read 4,42
